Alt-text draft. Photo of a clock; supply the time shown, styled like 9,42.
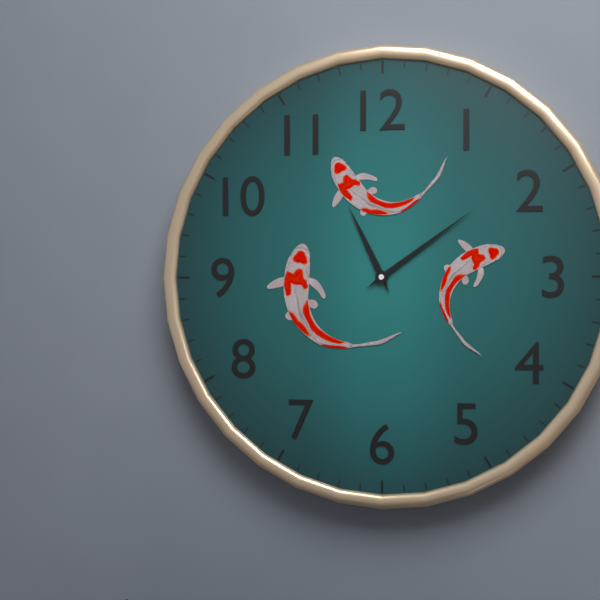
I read 11,09
